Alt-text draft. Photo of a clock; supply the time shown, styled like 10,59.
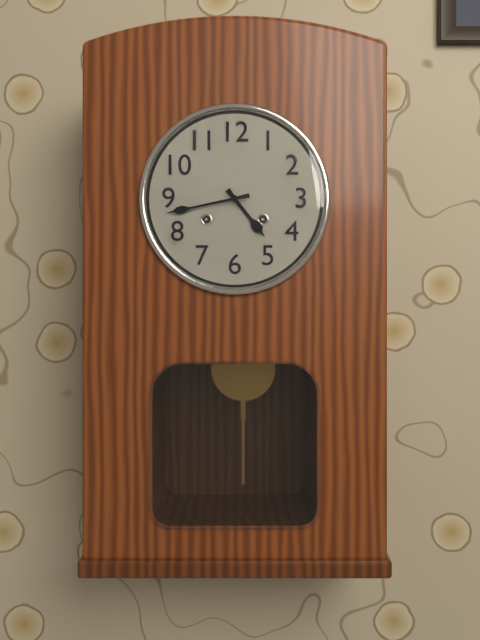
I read 4,43
